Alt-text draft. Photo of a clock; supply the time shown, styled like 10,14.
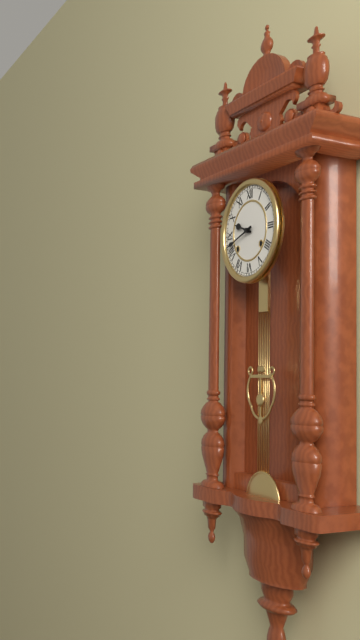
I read 9,42
